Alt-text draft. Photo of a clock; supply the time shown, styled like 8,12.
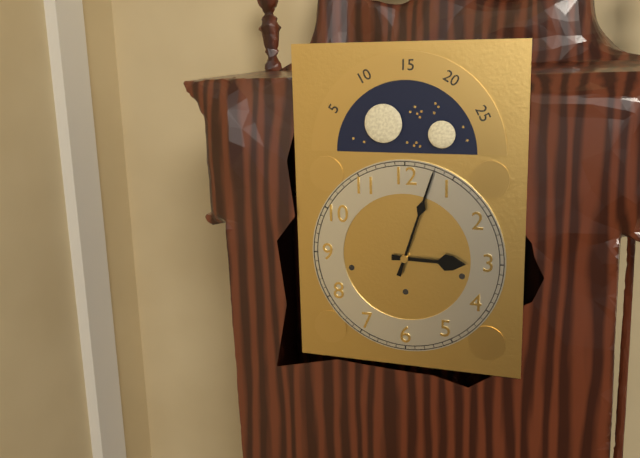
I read 3,03
